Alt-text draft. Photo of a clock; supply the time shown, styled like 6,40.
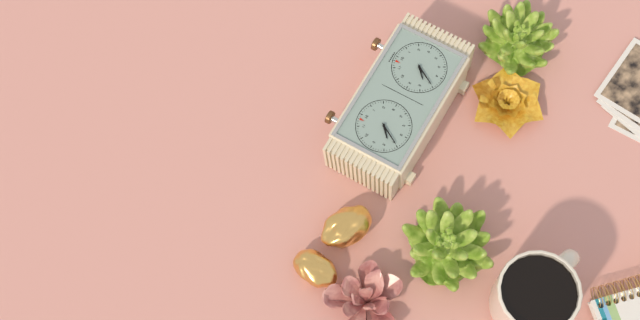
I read 7,35
